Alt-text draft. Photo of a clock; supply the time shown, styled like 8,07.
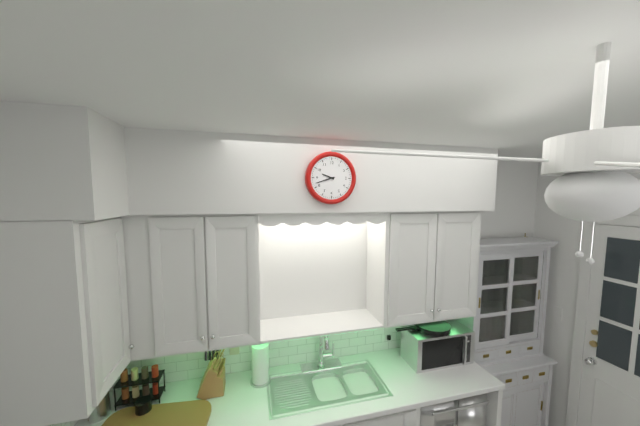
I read 9,42
